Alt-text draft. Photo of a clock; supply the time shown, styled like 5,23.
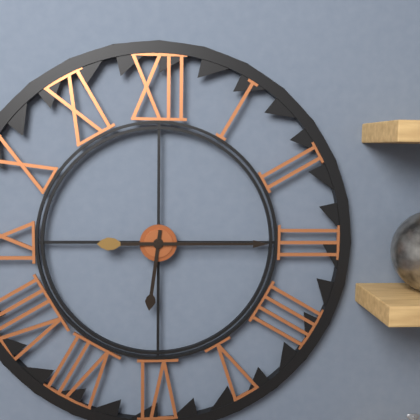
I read 6,15
